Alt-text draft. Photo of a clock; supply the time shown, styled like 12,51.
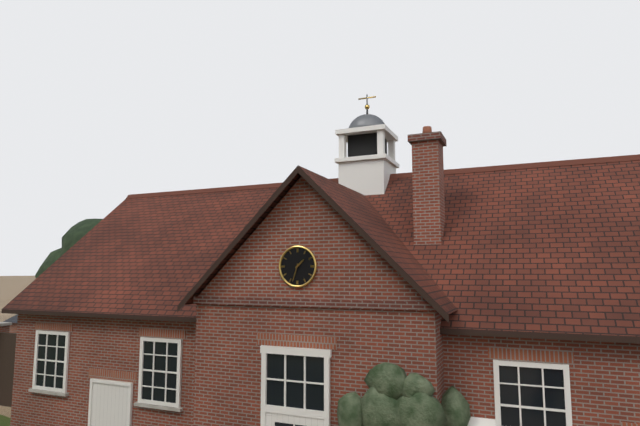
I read 1,33
